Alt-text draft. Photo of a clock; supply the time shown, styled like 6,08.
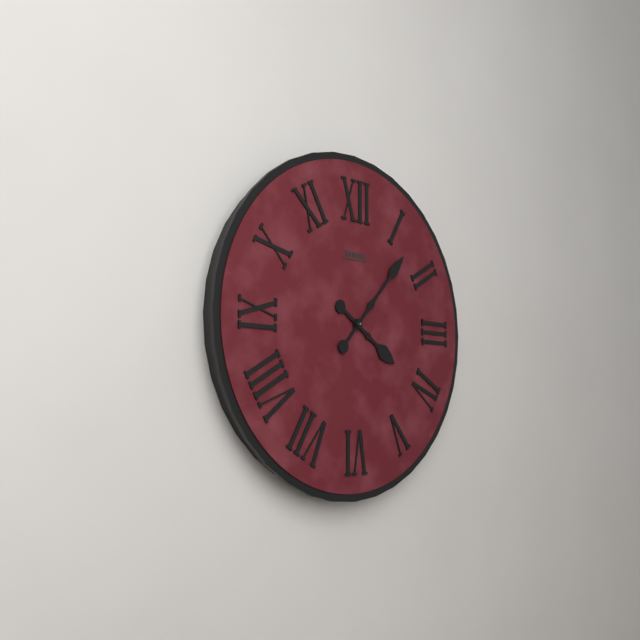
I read 4,07
